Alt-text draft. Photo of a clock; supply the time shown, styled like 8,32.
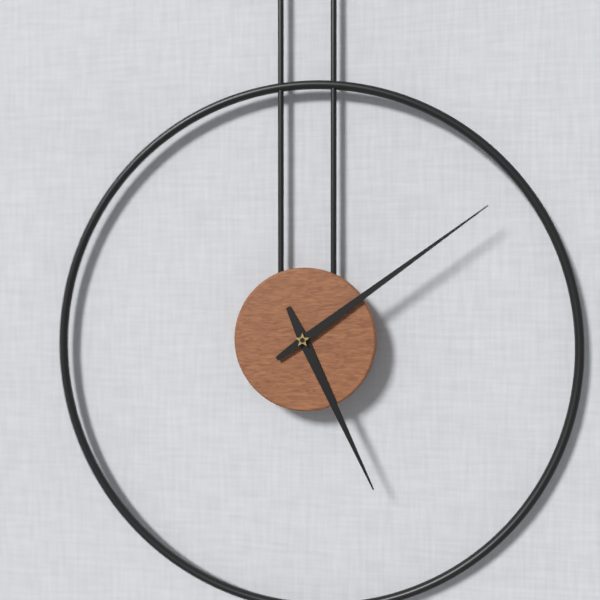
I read 5,09
